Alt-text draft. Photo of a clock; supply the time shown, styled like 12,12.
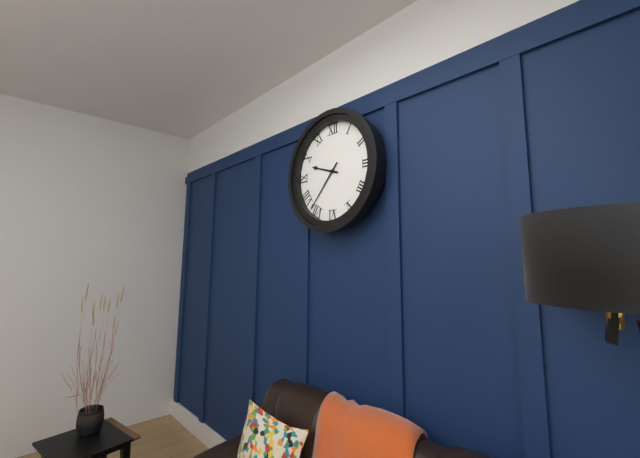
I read 9,37
